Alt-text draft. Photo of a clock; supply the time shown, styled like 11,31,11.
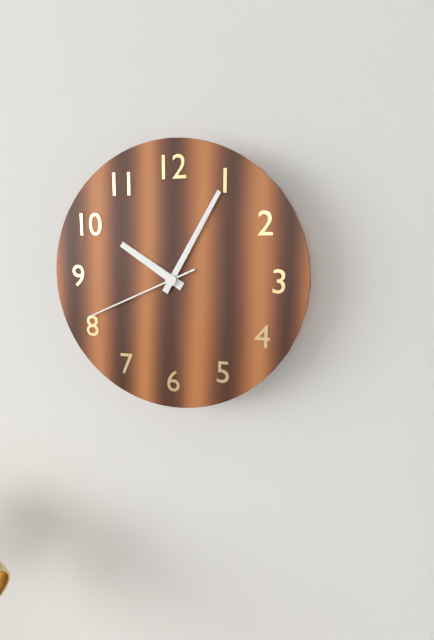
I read 10,05,41
